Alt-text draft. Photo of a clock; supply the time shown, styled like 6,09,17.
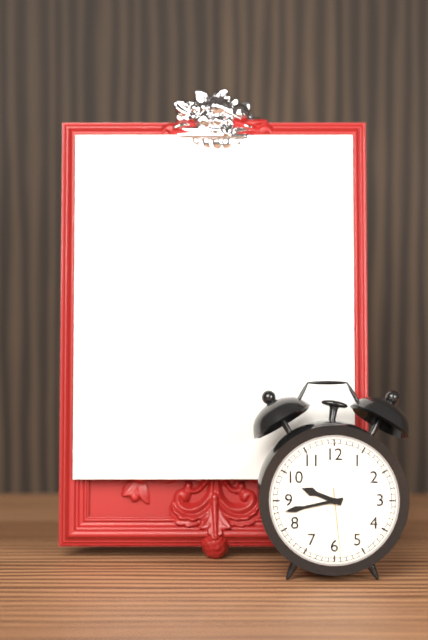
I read 9,43,29
